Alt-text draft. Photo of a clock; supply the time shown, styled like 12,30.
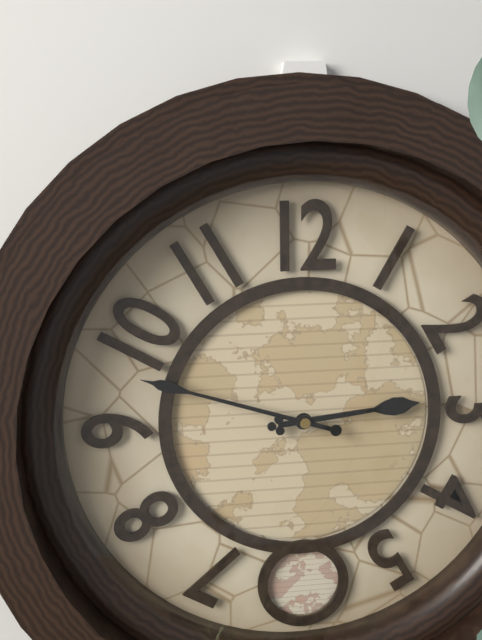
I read 2,48
